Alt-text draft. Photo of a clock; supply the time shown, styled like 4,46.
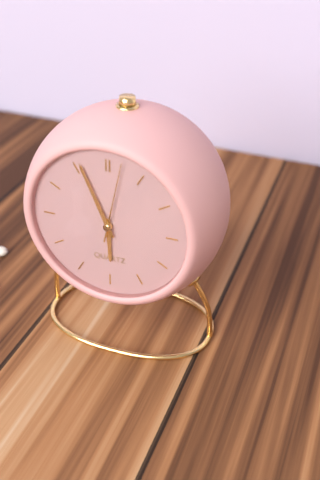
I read 5,56
